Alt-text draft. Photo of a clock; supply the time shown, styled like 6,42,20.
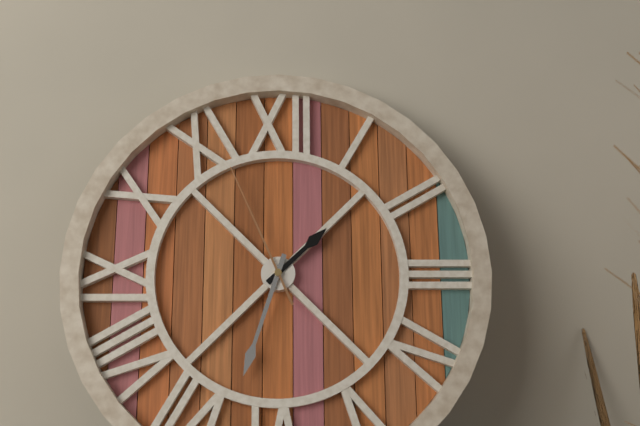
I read 1,33,56
